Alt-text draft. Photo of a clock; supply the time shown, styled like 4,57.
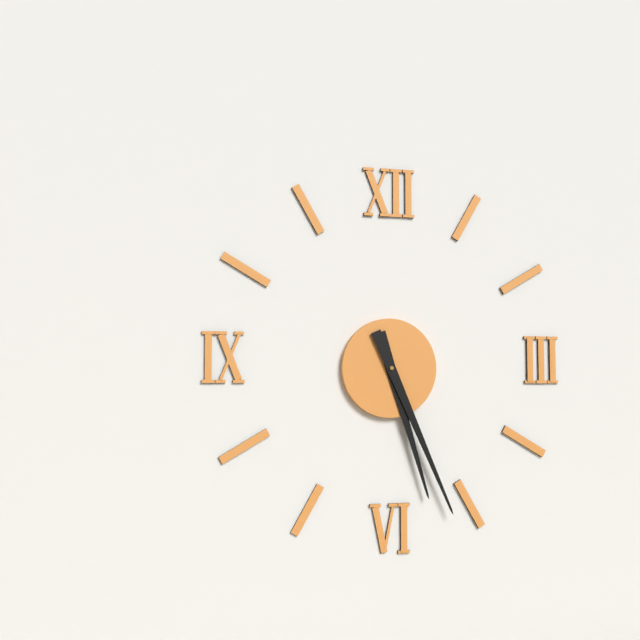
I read 5,26
